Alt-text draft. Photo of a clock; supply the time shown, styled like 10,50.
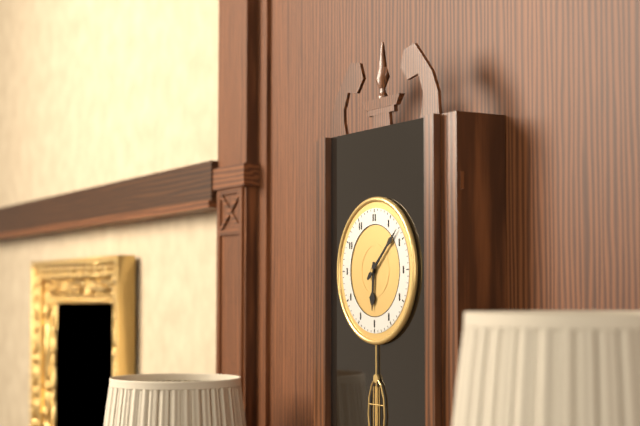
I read 6,08
